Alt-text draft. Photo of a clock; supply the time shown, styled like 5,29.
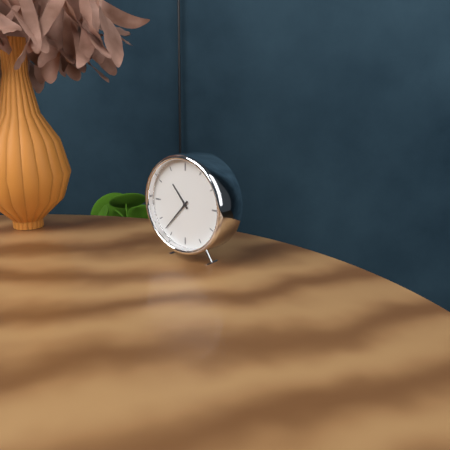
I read 10,37
